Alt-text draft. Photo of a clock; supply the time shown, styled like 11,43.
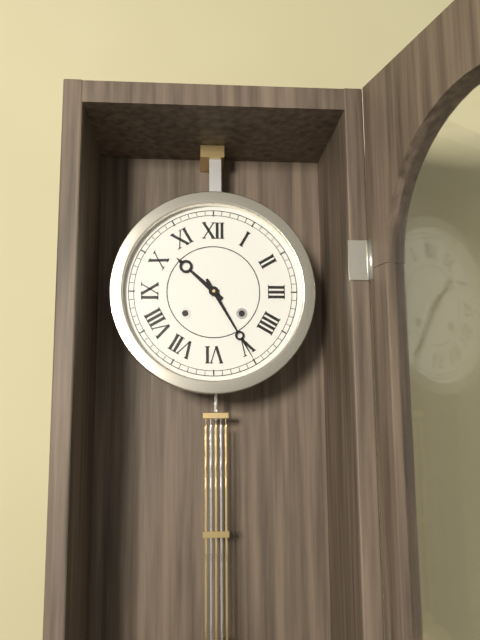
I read 10,25
